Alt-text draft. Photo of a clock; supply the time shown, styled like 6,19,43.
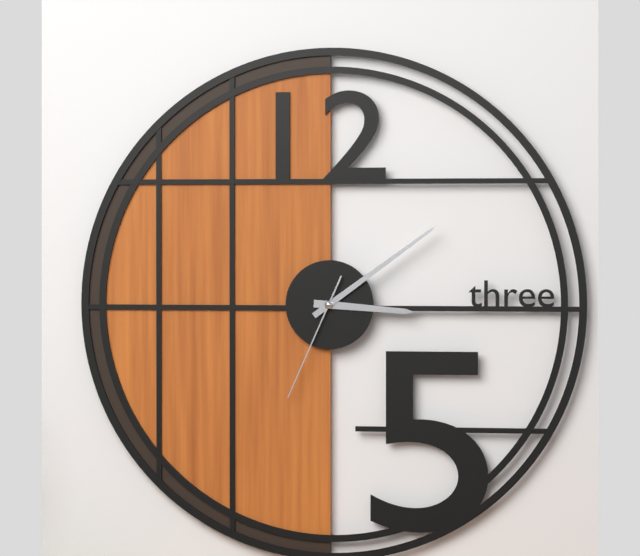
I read 3,09,34
